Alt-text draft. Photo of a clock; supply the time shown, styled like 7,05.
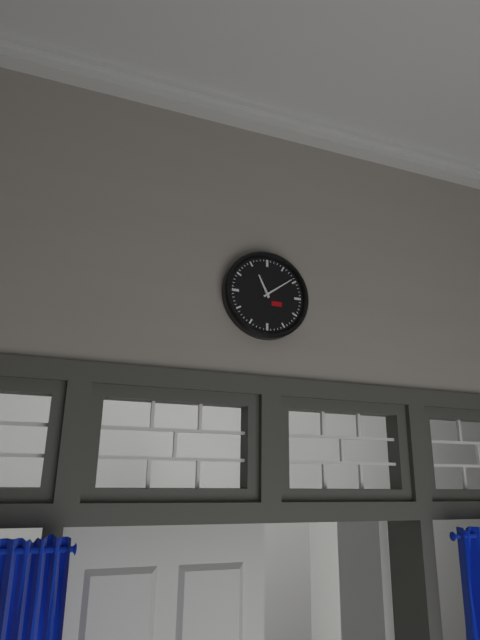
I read 11,09
